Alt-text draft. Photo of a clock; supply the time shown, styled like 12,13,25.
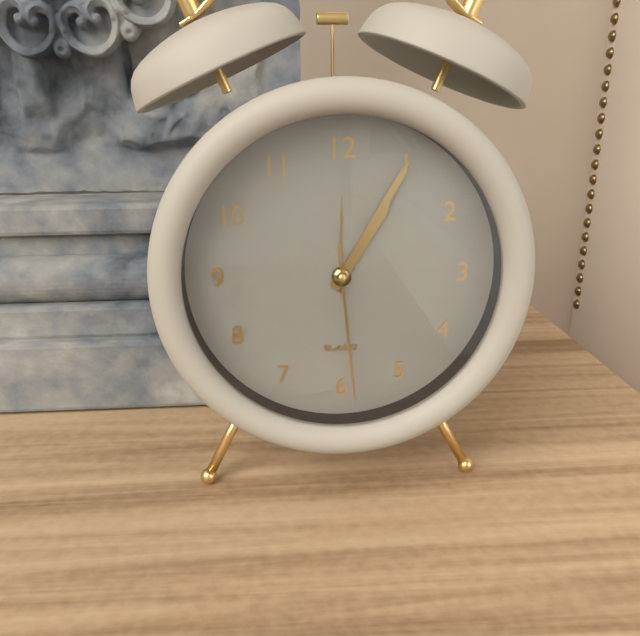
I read 1,05,29
